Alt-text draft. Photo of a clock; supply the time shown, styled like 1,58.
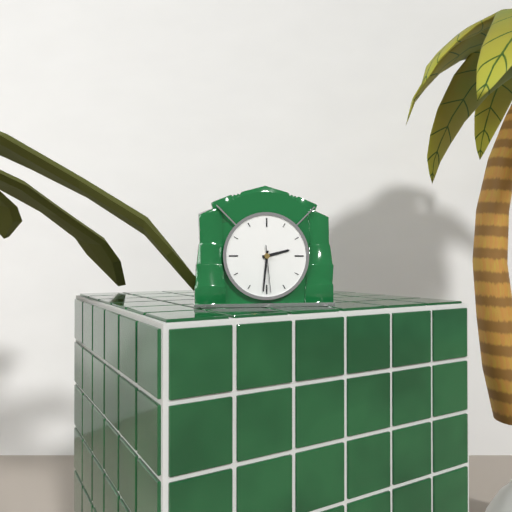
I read 2,31
